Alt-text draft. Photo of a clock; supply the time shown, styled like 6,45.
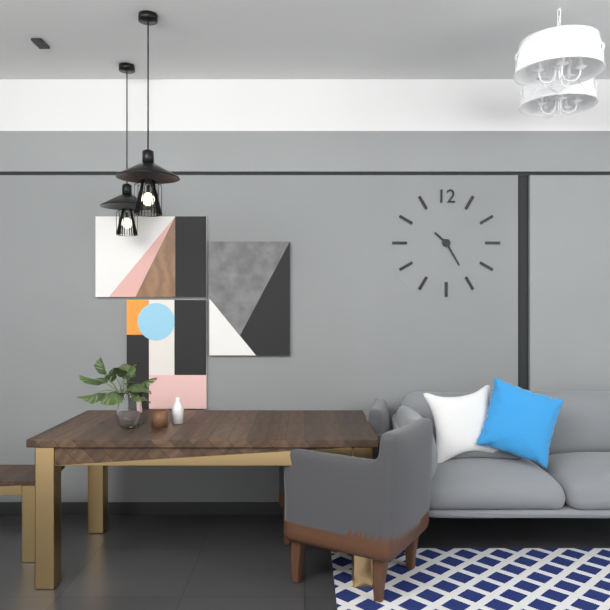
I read 10,25
